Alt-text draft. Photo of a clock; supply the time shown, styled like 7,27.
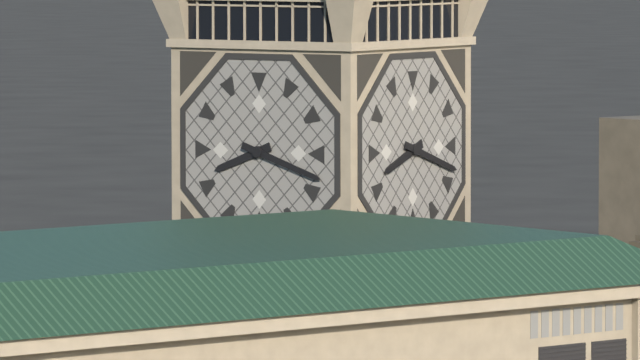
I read 8,18
